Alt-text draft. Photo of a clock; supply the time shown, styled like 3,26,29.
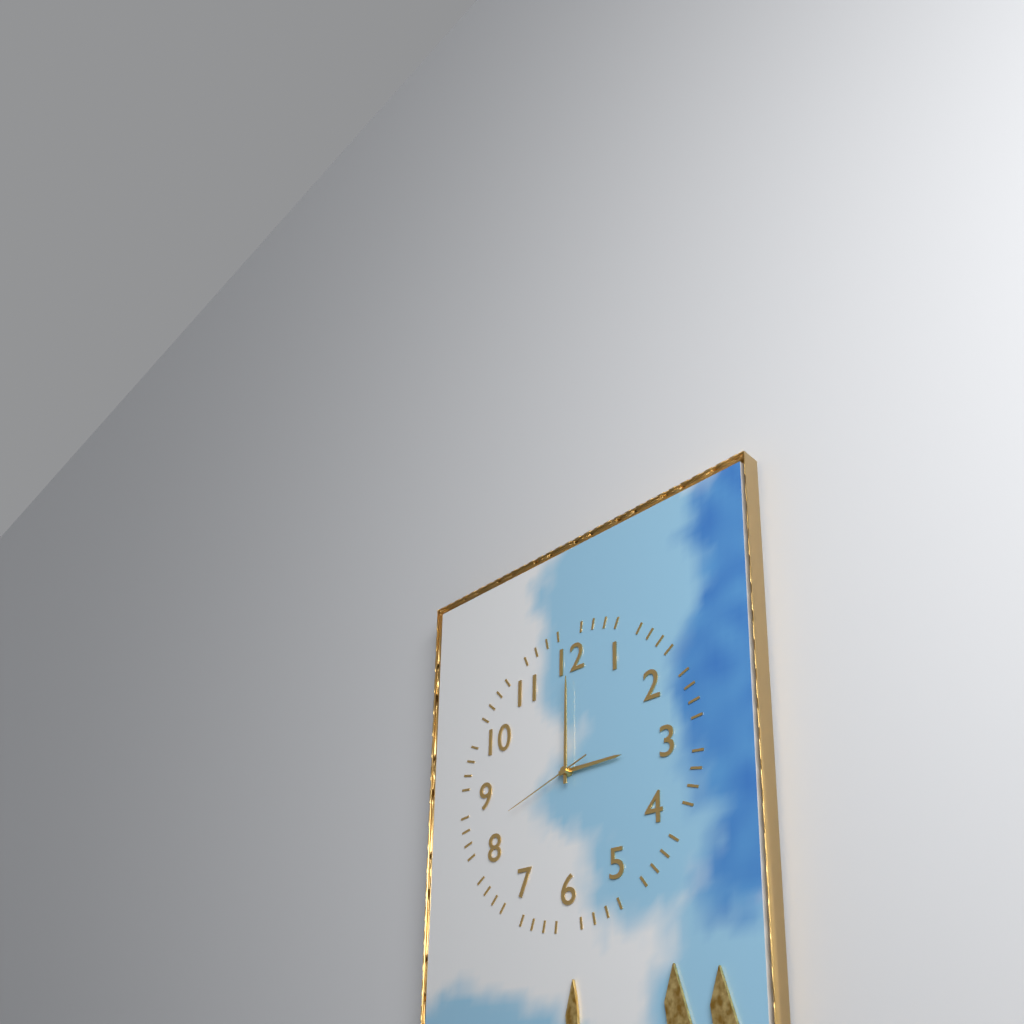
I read 3,00,42
